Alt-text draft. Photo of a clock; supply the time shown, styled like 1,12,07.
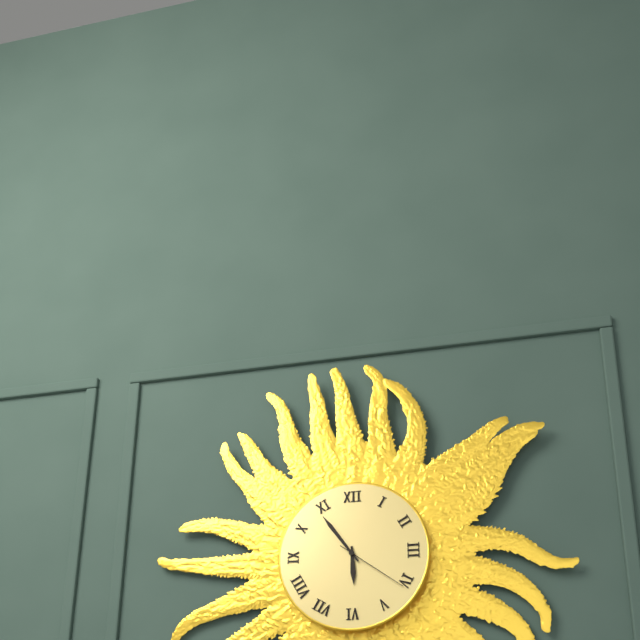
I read 5,54,21
